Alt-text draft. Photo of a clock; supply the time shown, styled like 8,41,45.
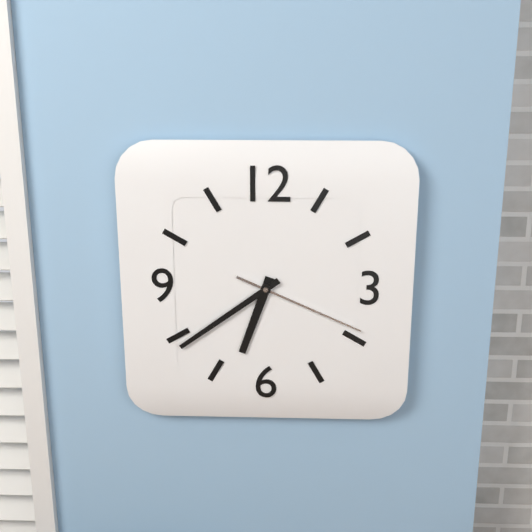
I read 6,39,19
